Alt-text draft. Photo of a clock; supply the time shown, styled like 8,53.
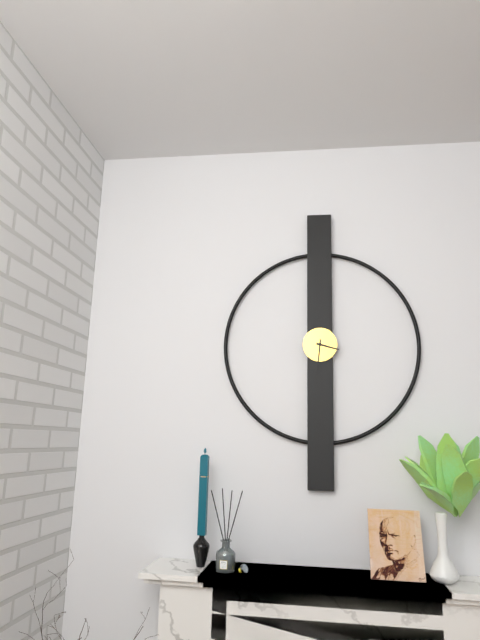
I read 3,31
